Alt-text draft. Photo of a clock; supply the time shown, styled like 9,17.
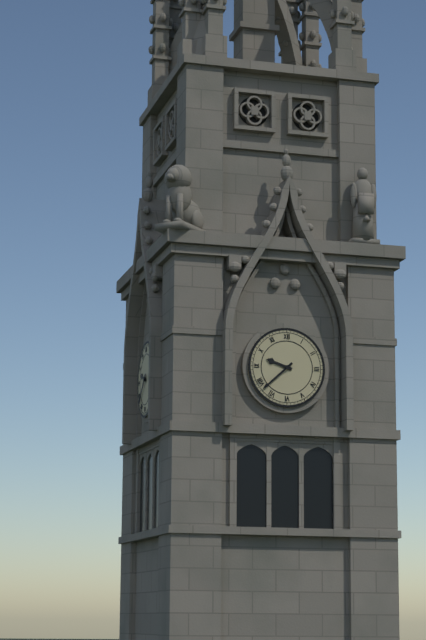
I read 9,38
